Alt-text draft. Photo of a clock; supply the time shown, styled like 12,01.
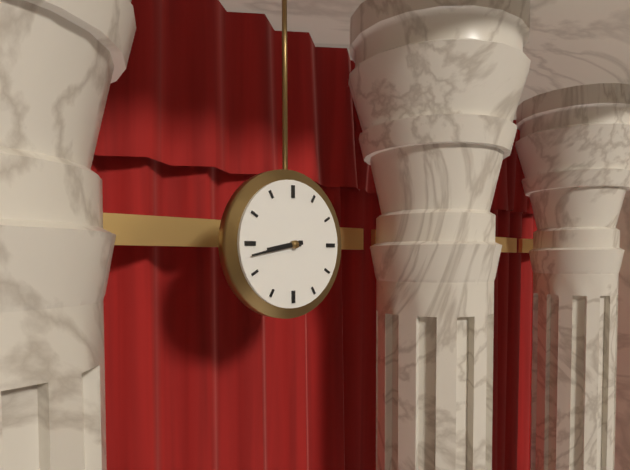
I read 8,43
